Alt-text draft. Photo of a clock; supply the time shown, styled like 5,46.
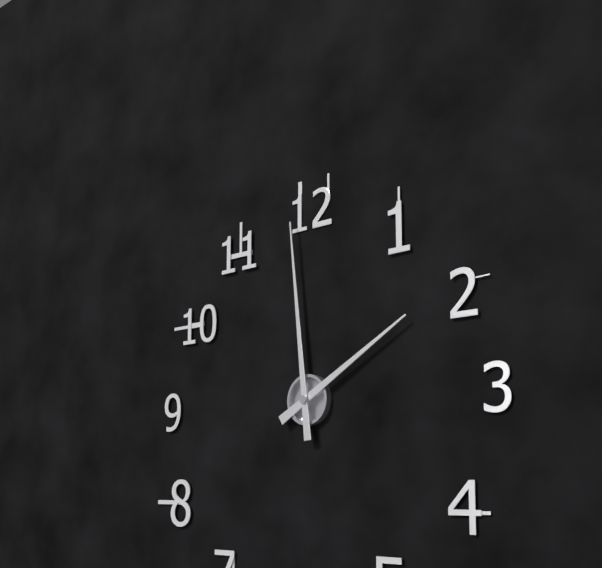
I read 1,59
